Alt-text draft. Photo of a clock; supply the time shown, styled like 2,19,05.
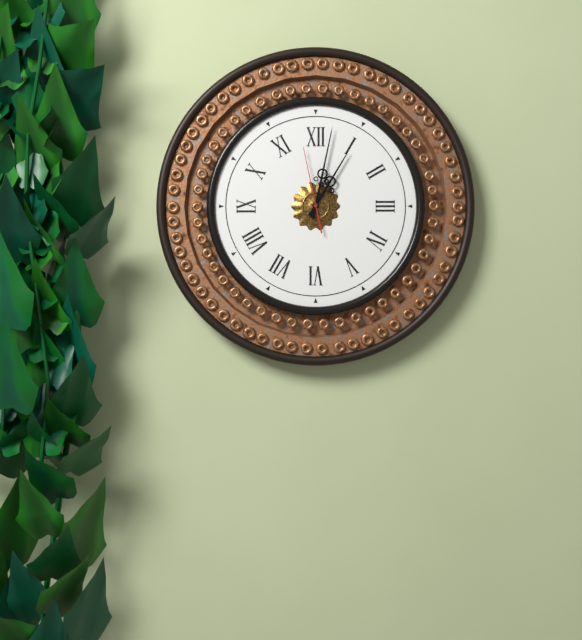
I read 1,02,58
